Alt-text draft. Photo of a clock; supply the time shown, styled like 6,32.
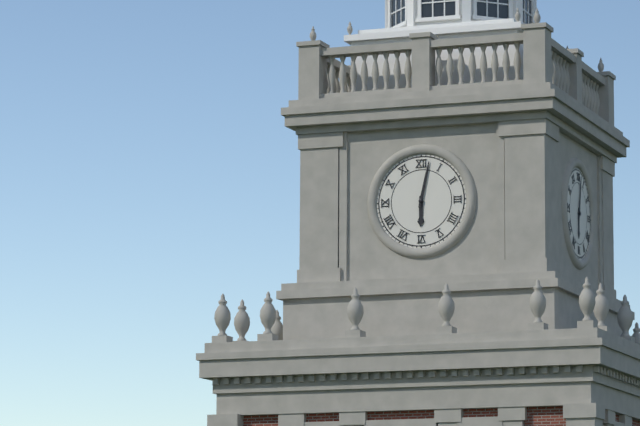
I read 6,02
